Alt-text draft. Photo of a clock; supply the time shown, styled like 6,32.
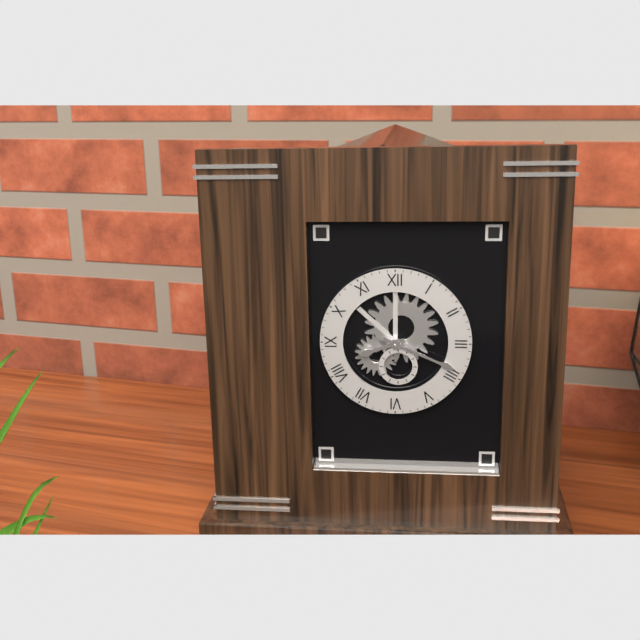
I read 8,19
